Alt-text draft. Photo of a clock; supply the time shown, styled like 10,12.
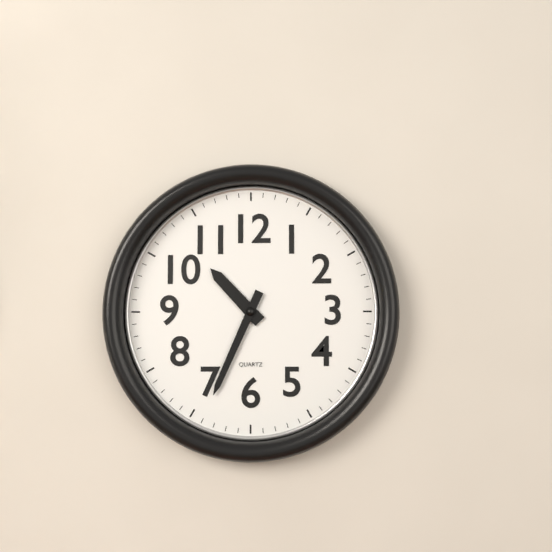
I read 10,34
